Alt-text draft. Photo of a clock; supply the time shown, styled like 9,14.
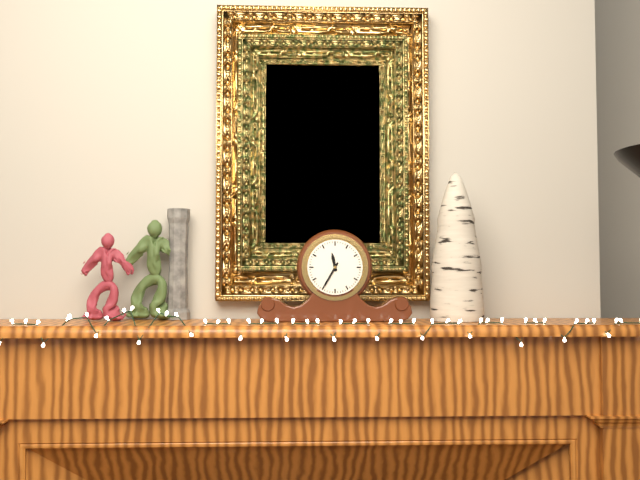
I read 11,35
